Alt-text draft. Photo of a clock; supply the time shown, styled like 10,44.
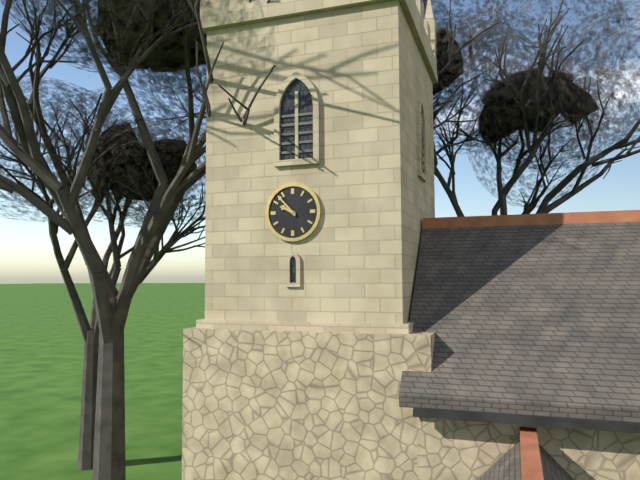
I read 9,53
